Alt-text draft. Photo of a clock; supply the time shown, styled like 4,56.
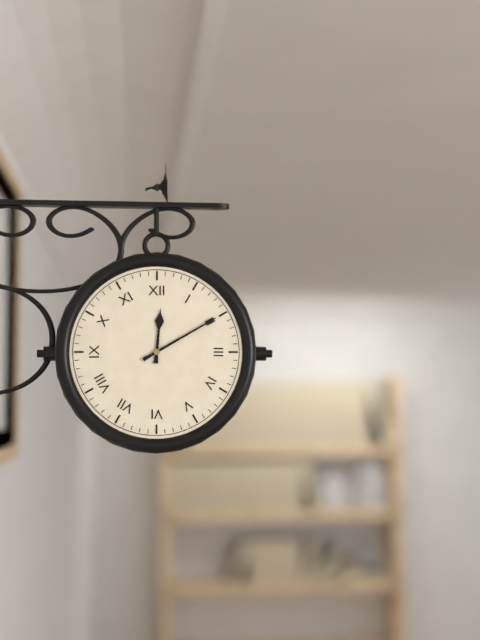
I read 12,10
